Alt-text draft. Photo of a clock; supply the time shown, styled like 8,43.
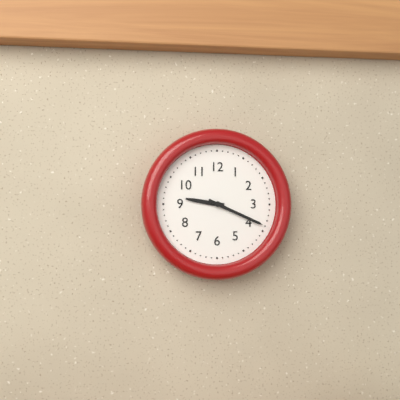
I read 9,19
